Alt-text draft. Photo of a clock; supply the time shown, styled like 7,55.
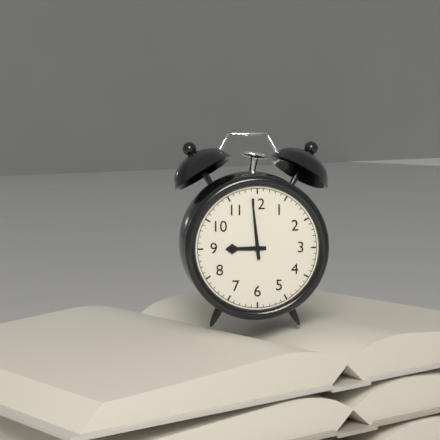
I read 8,59
